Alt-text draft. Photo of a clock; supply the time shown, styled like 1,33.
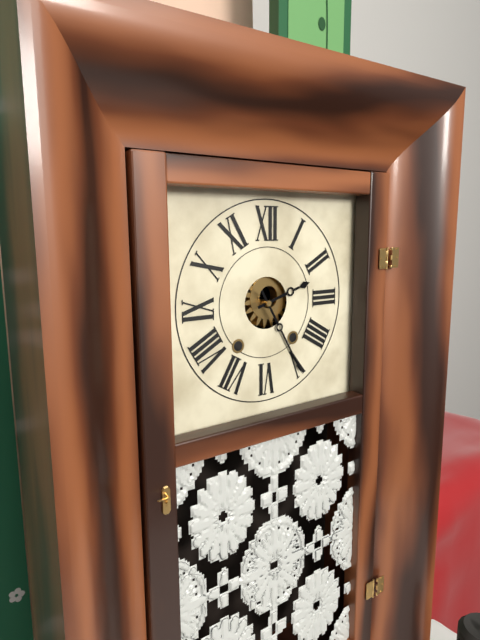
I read 2,25
